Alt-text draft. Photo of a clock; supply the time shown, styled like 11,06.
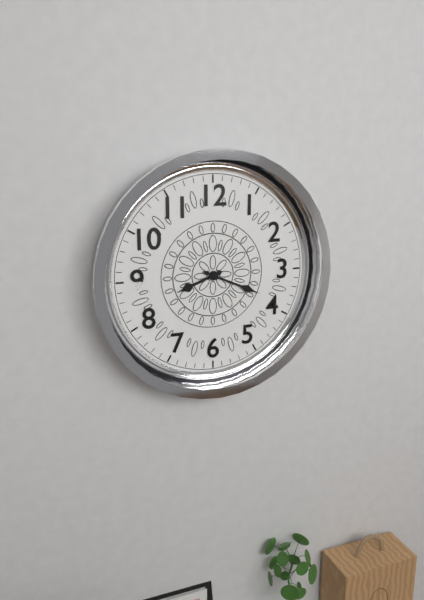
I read 8,19
